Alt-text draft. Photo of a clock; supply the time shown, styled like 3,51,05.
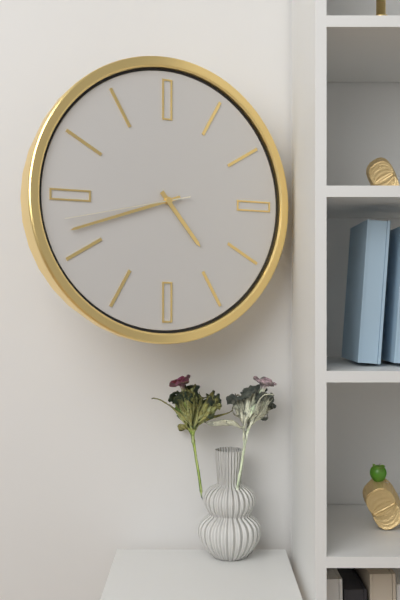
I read 4,42,43
